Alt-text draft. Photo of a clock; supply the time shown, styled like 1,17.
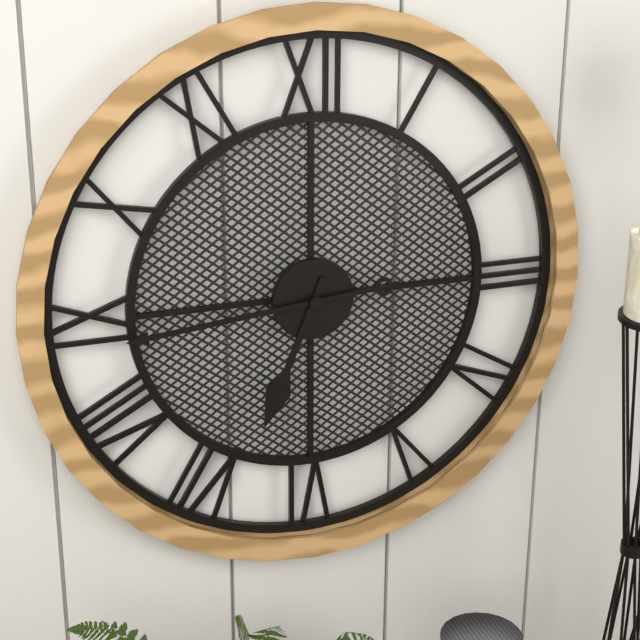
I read 6,44
